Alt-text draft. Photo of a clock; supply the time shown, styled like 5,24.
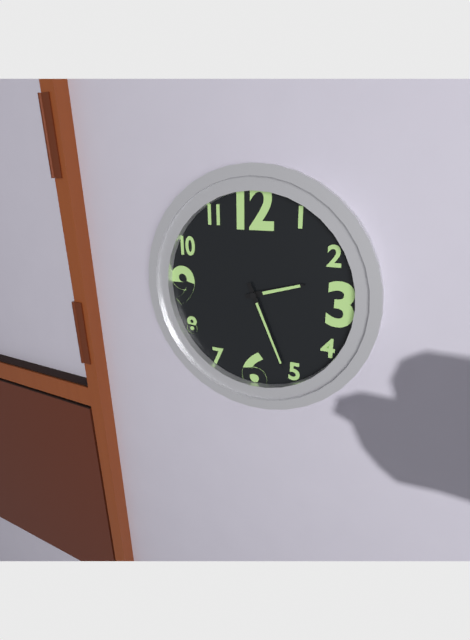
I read 2,26
